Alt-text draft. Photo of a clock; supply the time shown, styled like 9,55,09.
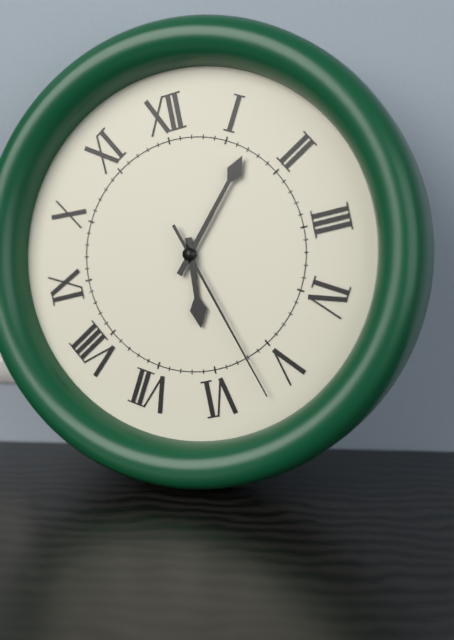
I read 6,07,27
